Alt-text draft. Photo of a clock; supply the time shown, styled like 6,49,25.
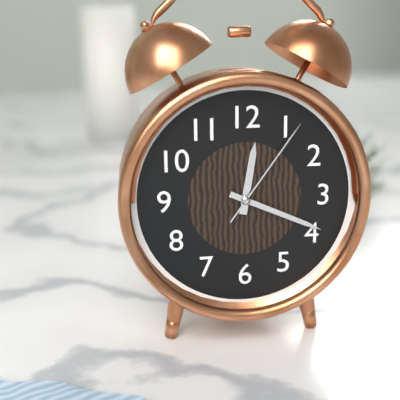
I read 12,19,06
